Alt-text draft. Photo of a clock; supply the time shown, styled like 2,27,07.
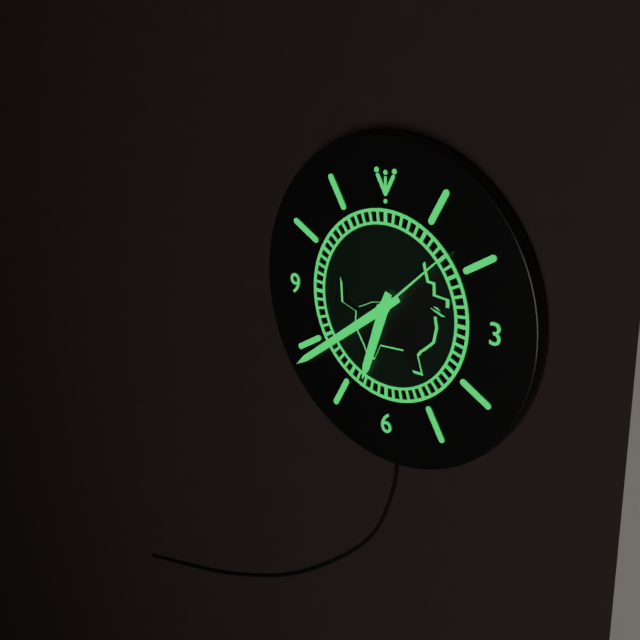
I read 6,39,08
